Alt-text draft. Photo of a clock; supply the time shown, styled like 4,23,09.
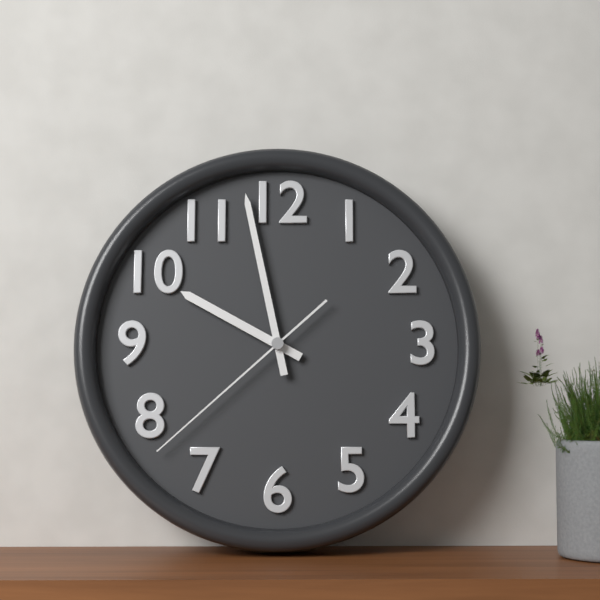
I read 9,58,38
